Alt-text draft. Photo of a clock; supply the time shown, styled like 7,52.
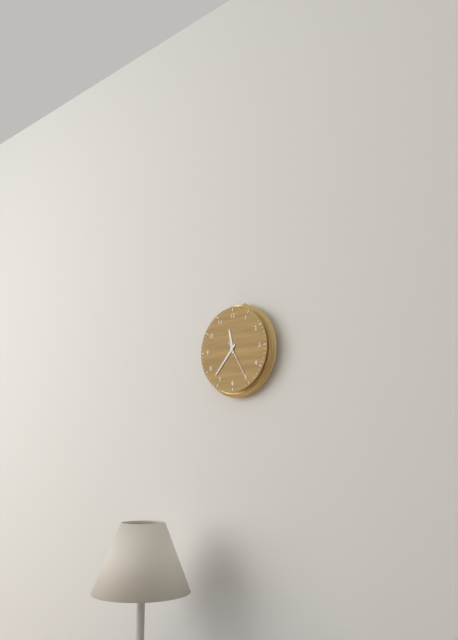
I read 11,37
